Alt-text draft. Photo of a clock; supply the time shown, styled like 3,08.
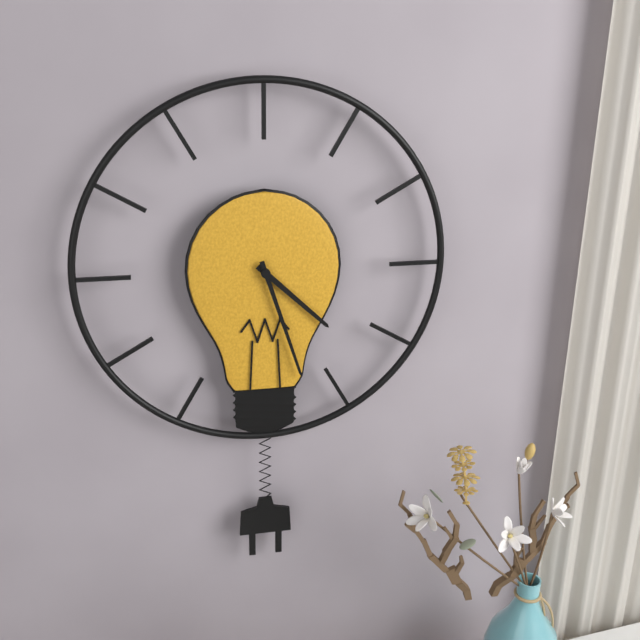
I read 4,27
